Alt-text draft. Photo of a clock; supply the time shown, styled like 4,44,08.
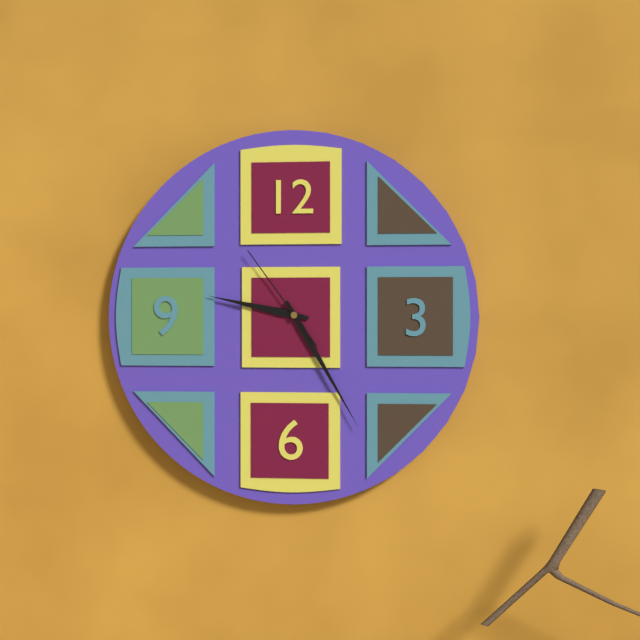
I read 9,25,54
